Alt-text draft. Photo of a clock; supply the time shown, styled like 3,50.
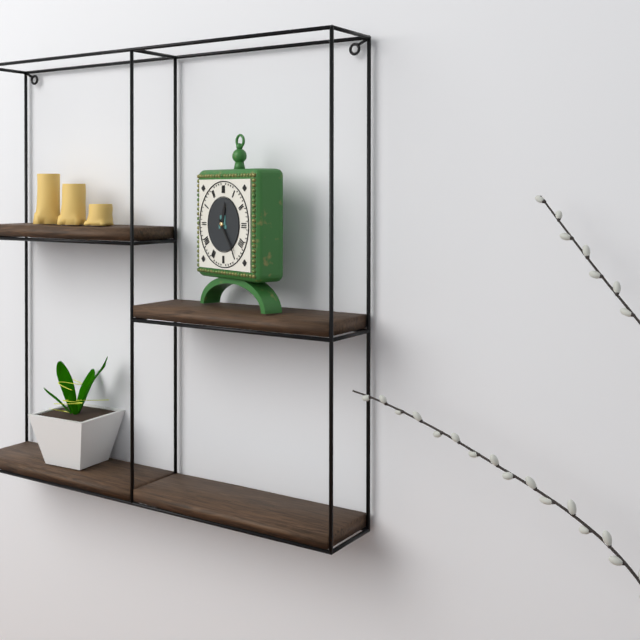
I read 12,24
